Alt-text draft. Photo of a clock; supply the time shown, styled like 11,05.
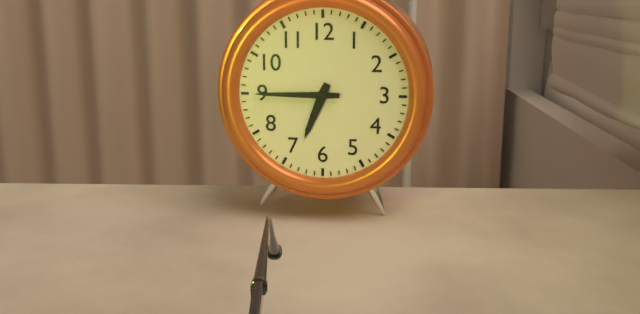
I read 6,45
